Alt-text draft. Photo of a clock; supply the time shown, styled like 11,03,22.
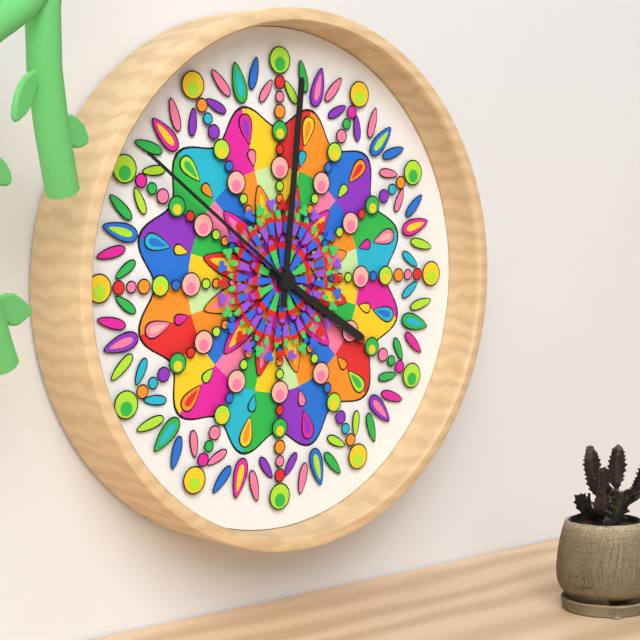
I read 4,01,51
